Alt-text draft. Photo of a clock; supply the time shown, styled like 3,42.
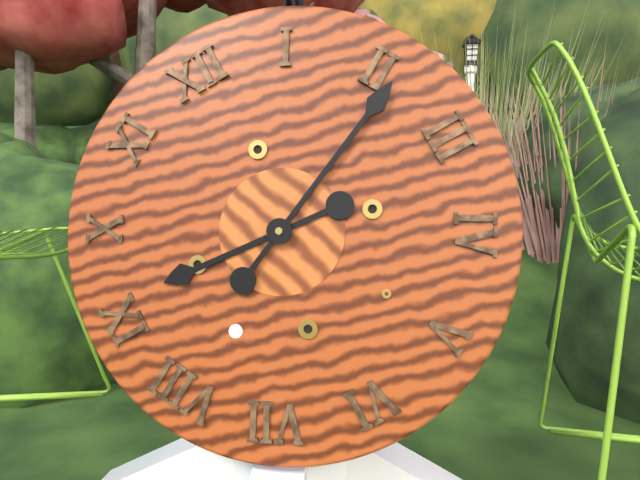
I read 9,11
